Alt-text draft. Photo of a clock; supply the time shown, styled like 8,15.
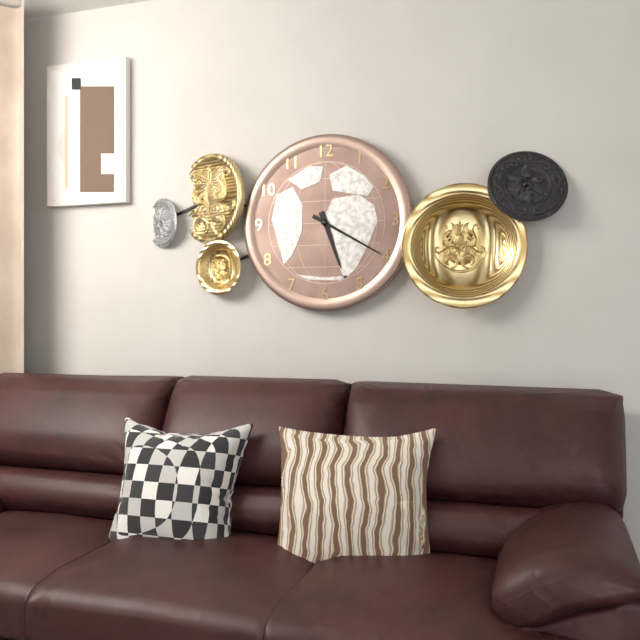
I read 5,20
